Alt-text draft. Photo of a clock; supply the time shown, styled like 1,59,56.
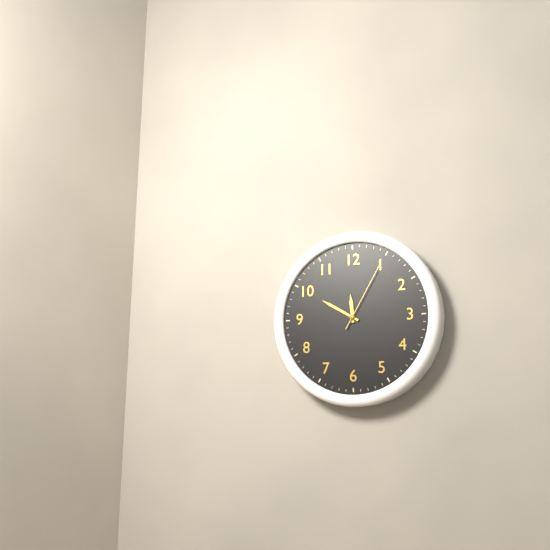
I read 11,50,05
